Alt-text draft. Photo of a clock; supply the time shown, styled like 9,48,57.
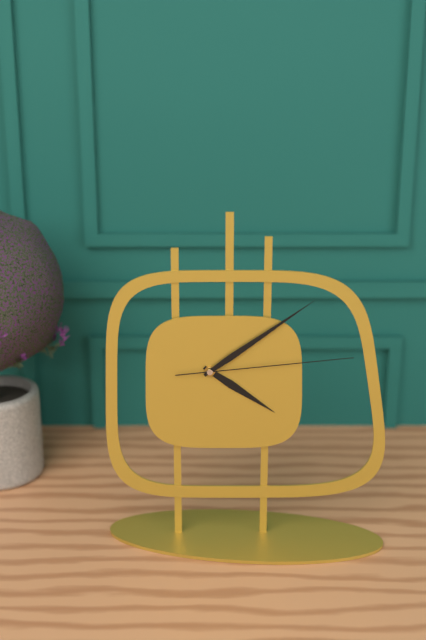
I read 4,09,14
